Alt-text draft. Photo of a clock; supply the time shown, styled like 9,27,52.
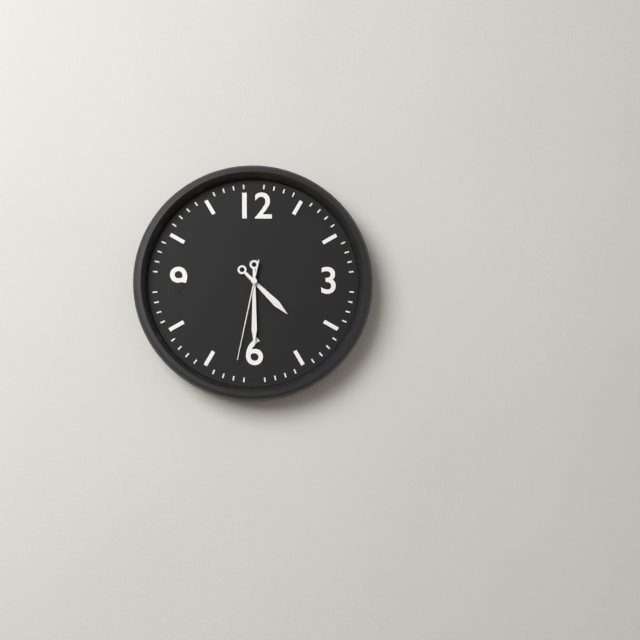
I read 4,30,32
